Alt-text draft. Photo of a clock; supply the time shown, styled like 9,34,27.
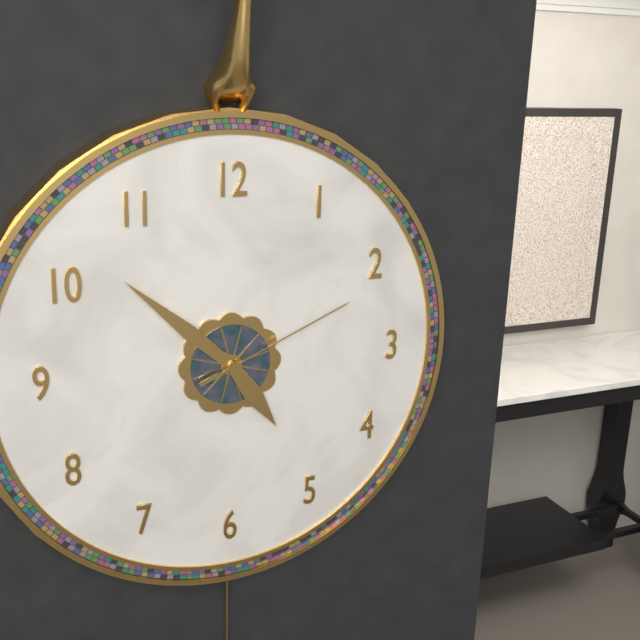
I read 4,52,11
